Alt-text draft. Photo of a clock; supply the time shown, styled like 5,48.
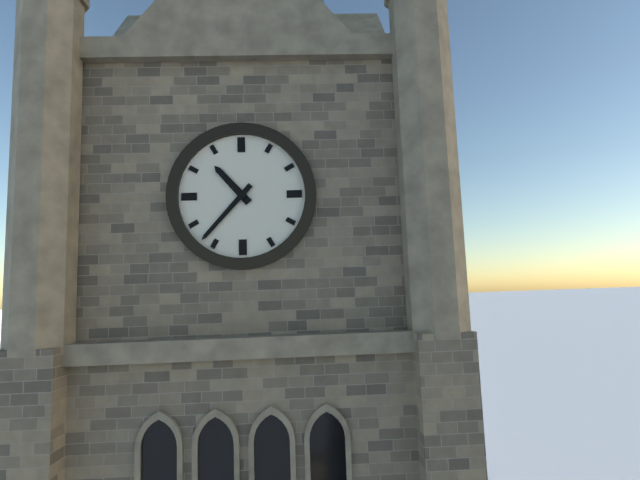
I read 10,37
